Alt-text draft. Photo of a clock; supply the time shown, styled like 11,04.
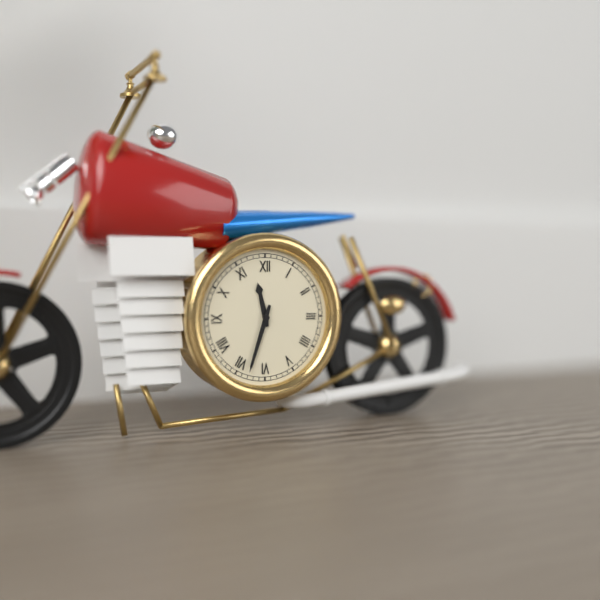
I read 11,33
